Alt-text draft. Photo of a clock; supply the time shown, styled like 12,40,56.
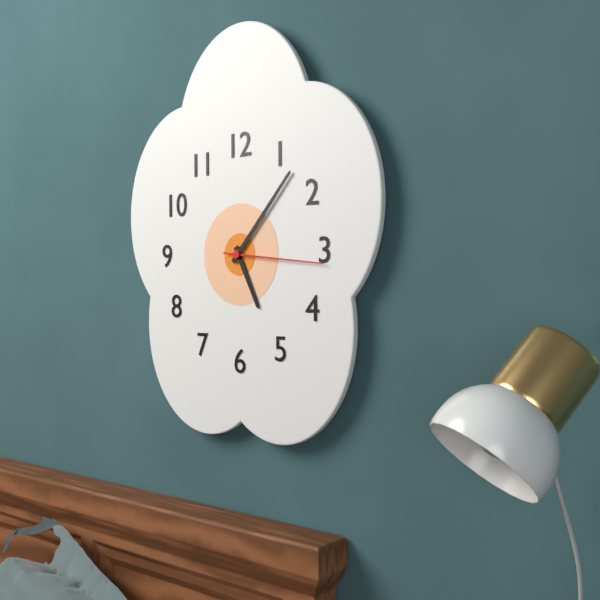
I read 5,07,16
